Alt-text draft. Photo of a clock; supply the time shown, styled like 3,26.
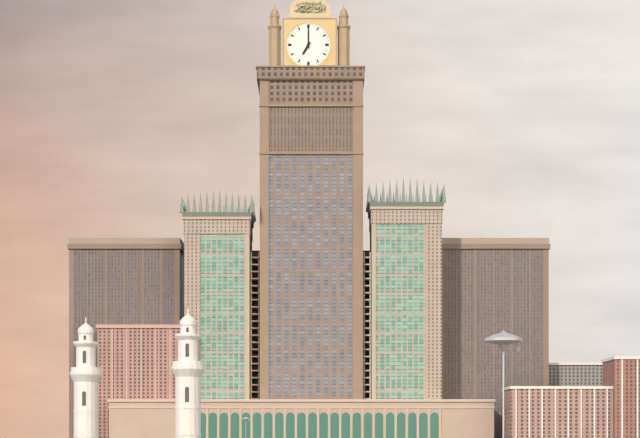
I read 7,00
